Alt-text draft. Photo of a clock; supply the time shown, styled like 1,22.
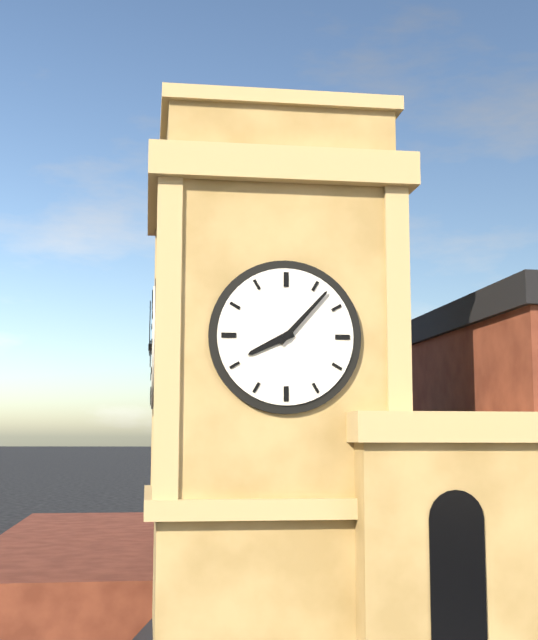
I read 8,07
